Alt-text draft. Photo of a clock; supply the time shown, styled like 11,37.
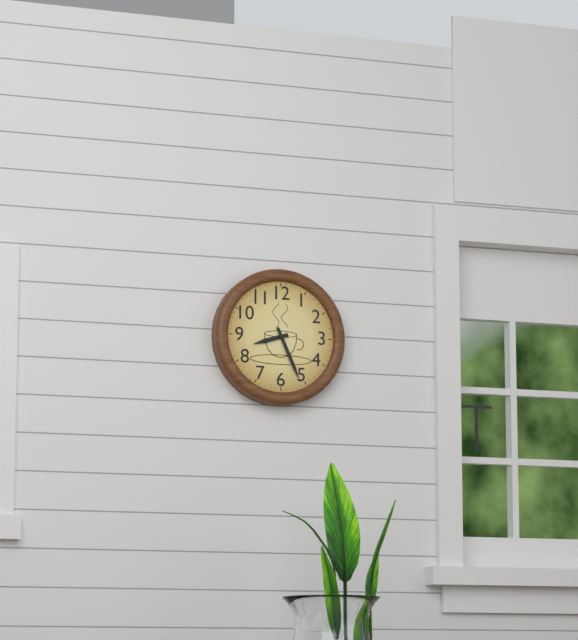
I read 8,26
